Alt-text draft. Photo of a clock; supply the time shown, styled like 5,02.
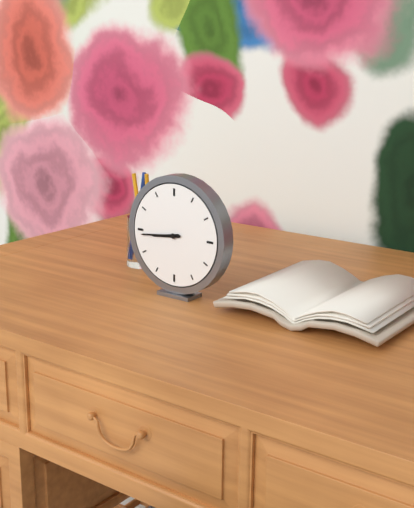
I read 8,44
